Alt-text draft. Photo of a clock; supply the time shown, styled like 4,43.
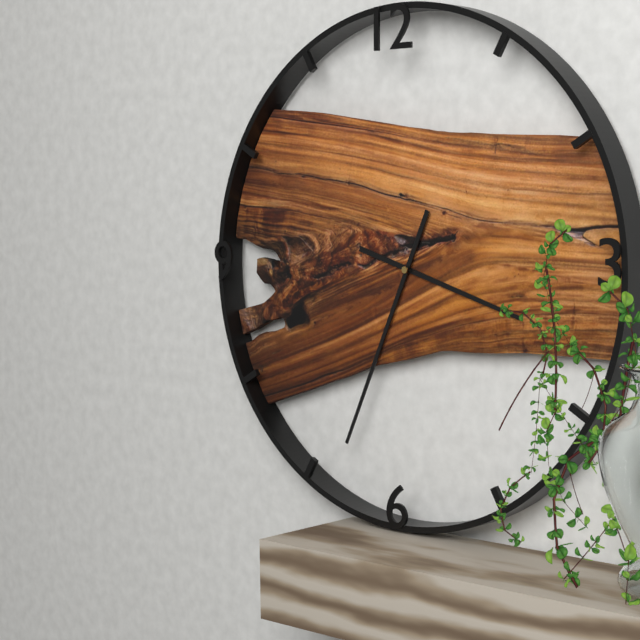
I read 3,34
